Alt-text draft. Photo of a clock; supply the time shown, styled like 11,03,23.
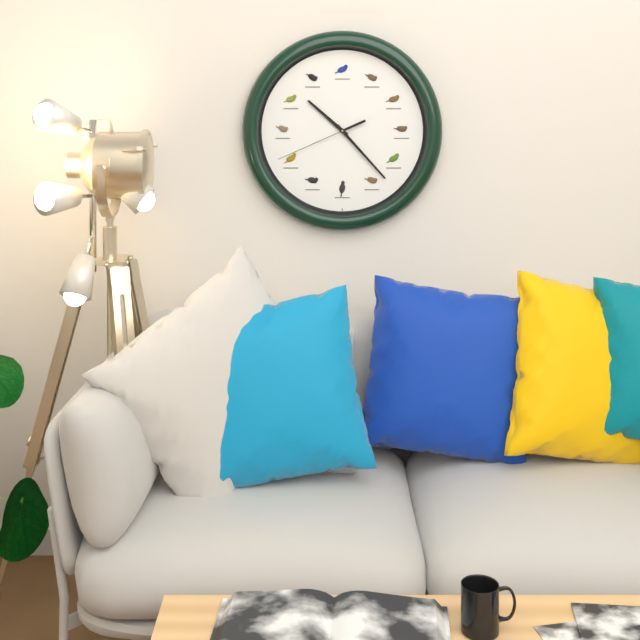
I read 10,23,41
